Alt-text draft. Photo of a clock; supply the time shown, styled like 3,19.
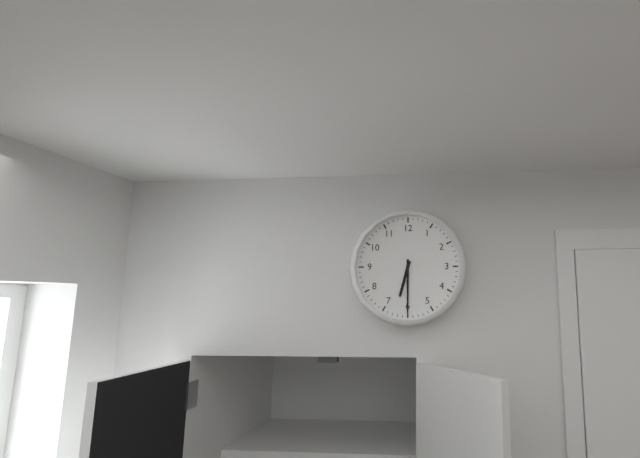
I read 6,30
